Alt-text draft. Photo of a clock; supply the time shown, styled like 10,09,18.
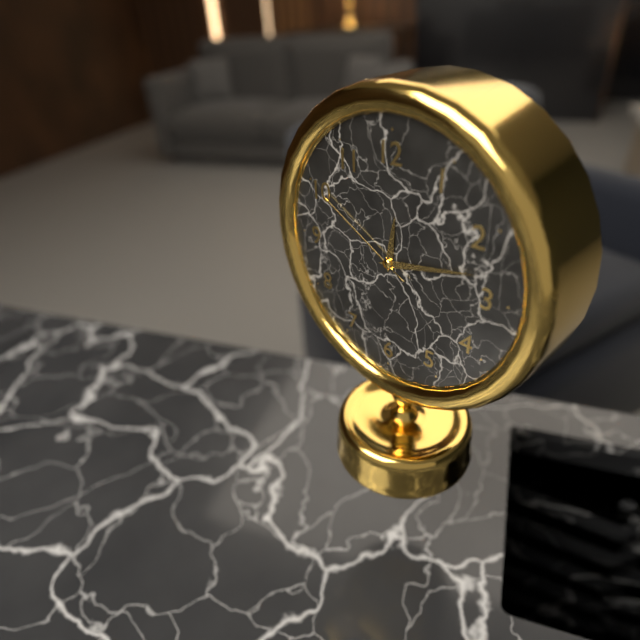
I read 12,13,50
